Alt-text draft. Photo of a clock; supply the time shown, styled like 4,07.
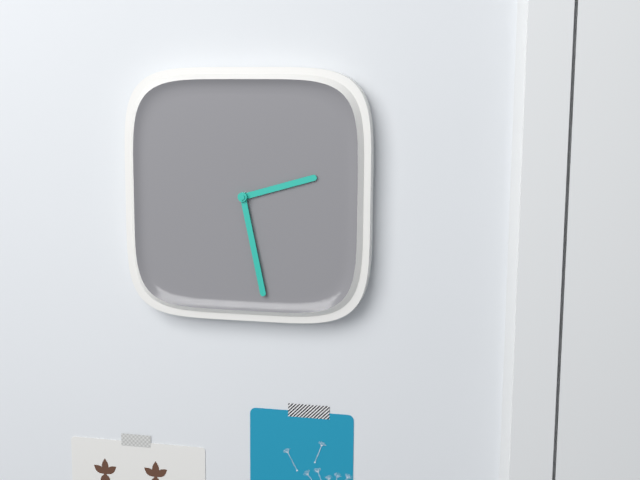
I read 2,28
